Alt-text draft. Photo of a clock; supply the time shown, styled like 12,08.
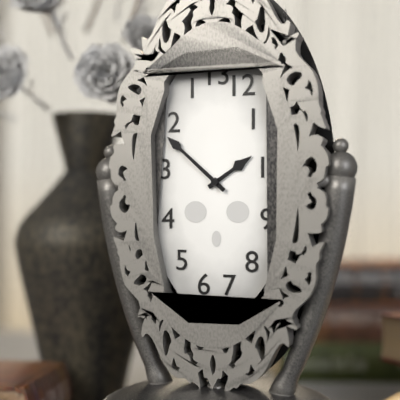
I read 1,52
